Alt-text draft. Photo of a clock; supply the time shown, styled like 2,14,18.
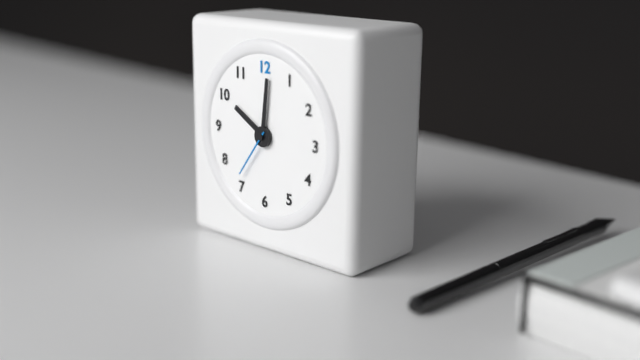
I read 10,01,36
